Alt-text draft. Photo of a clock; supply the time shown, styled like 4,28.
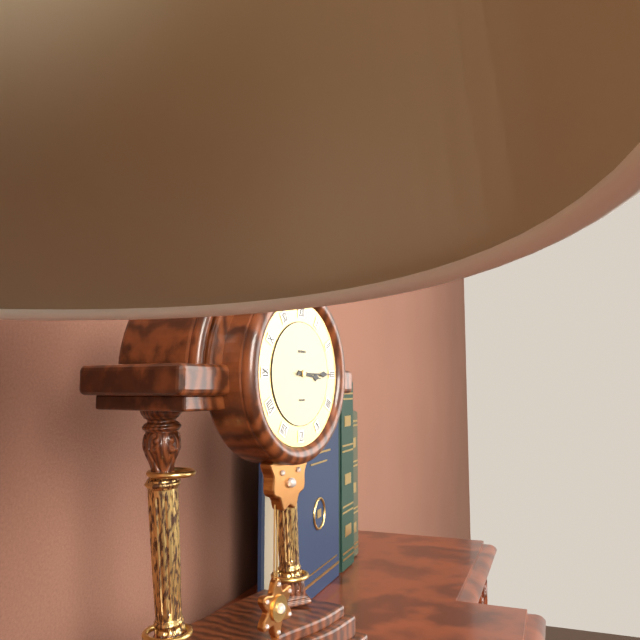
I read 3,15
